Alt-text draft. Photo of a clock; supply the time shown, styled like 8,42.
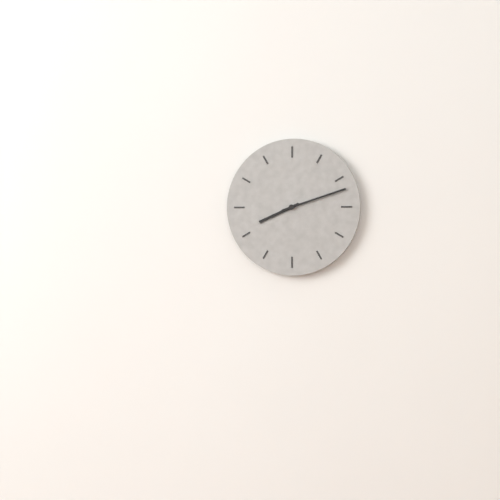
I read 8,12
